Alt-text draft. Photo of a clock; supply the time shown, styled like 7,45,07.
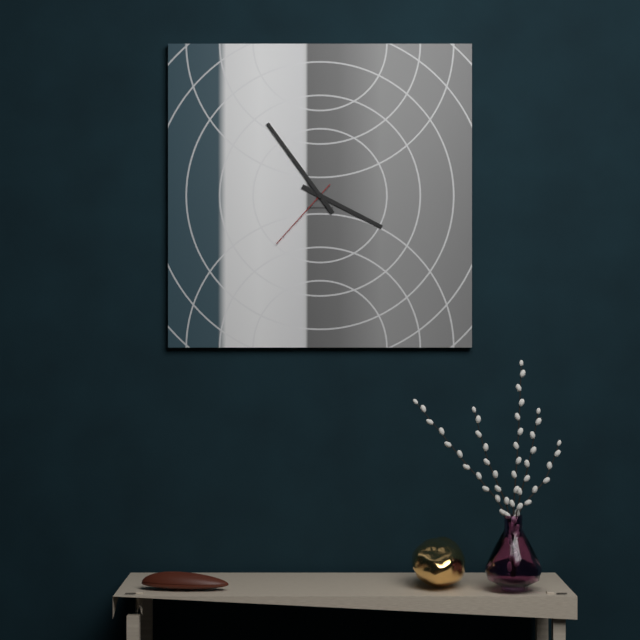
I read 3,54,37
